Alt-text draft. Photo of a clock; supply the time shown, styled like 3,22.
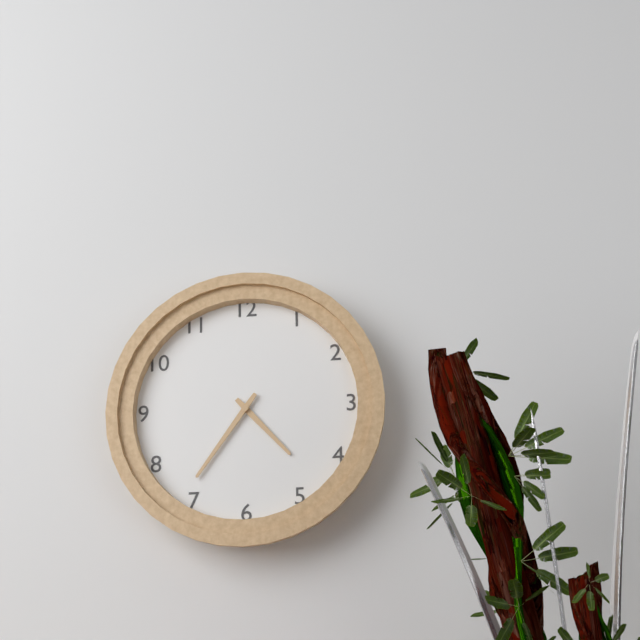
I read 4,36
